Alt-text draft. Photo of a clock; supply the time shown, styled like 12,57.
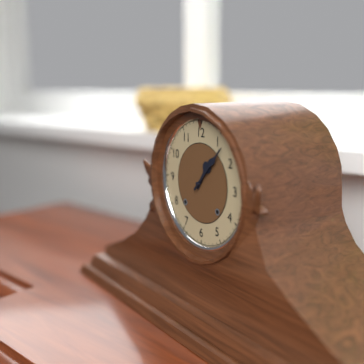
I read 1,07
